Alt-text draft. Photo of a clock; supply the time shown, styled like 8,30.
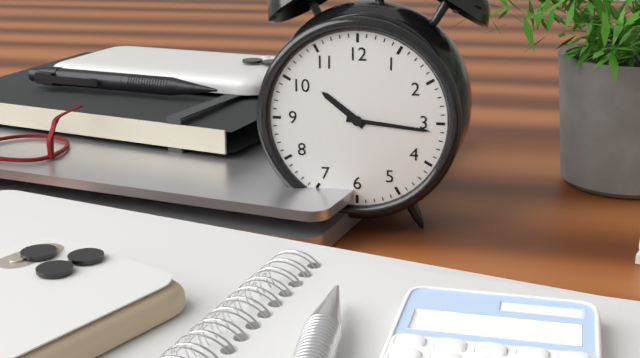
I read 10,16
